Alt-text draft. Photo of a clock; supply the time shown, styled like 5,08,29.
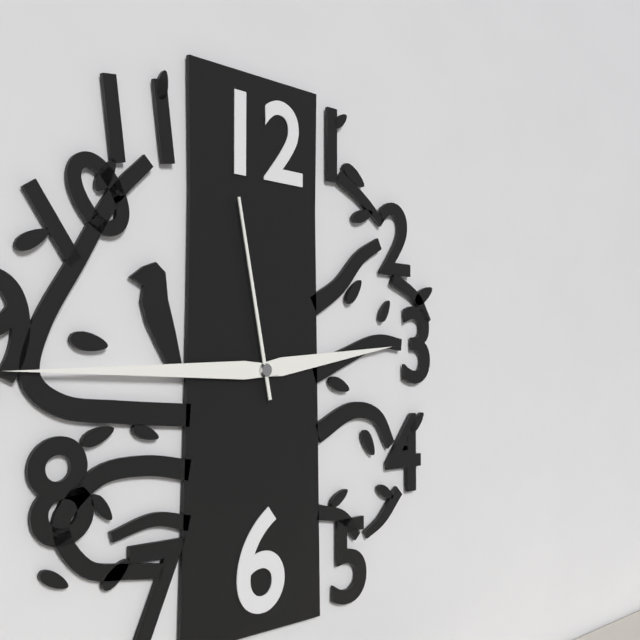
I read 2,45,58
